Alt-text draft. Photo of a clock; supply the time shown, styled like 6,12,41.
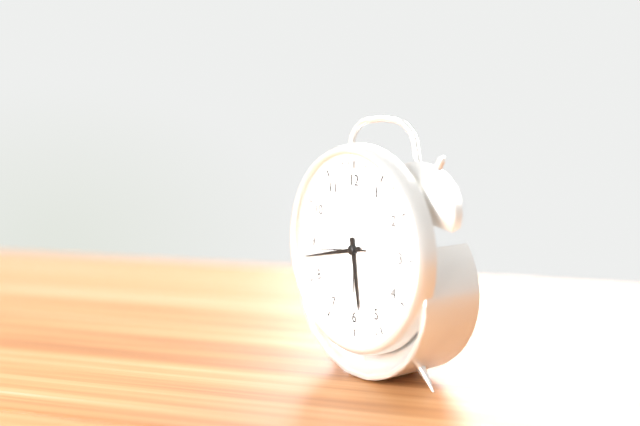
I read 5,43,44
